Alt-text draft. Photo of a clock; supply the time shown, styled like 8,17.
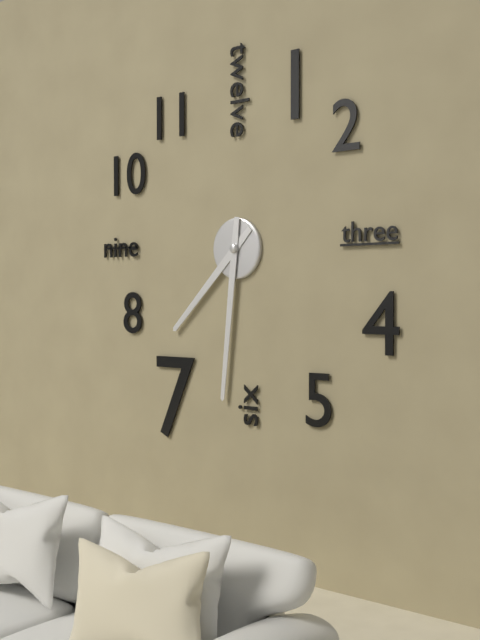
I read 7,31
